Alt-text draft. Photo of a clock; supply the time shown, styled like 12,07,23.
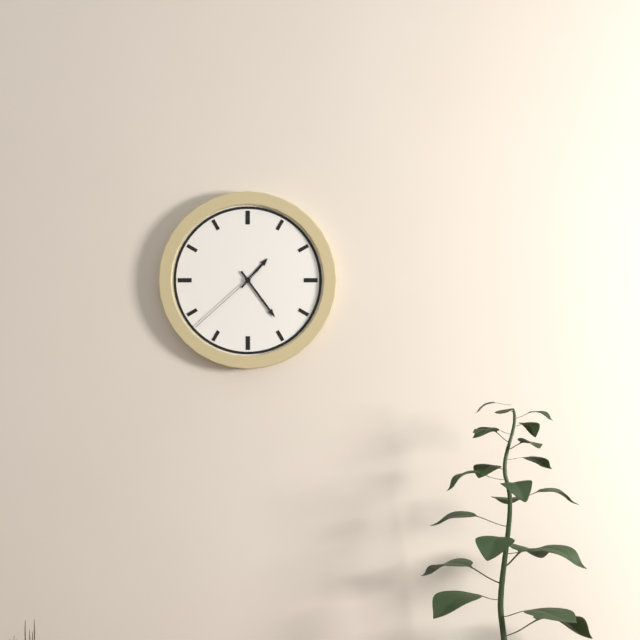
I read 1,24,38
